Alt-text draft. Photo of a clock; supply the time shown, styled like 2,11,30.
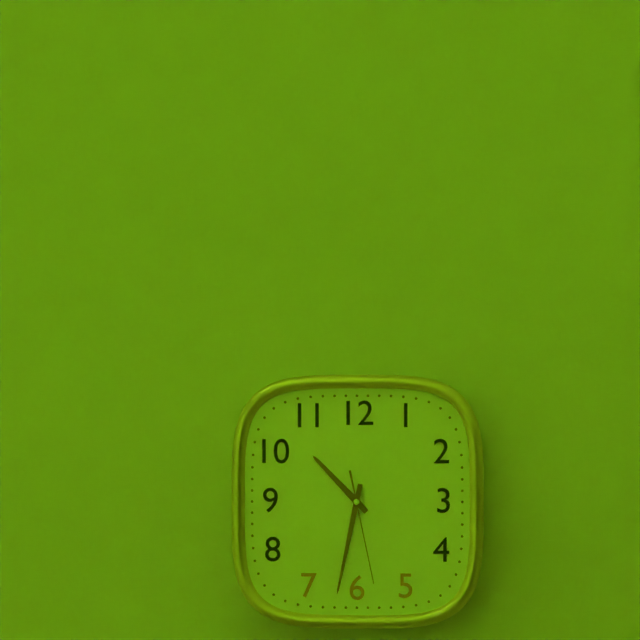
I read 10,32,28
